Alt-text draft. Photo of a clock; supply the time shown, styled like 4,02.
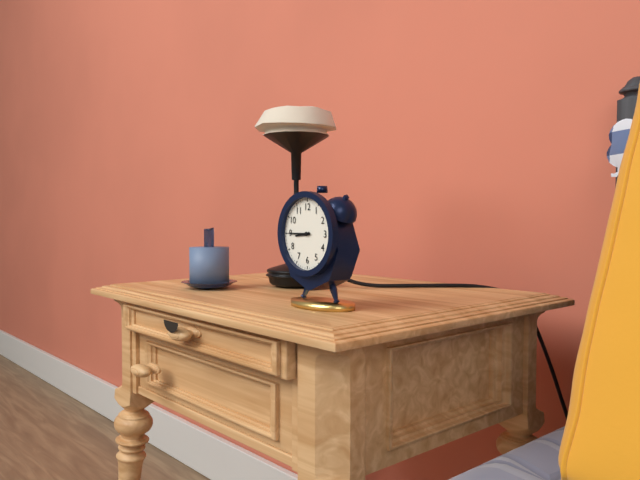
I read 8,45
